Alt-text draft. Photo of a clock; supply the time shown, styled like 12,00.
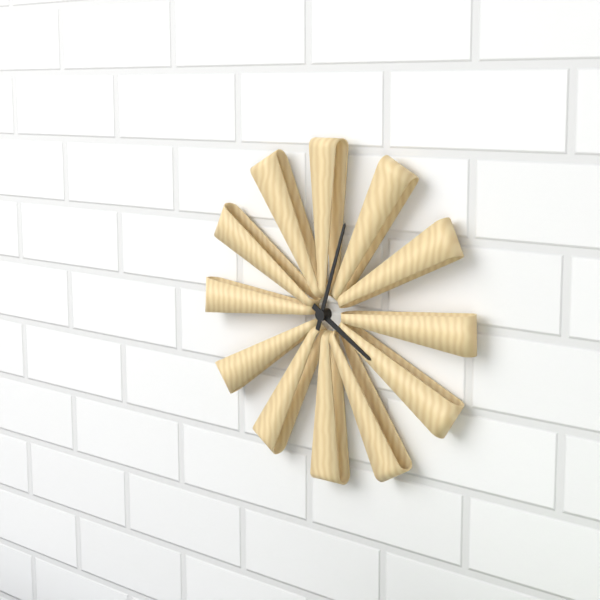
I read 4,03
